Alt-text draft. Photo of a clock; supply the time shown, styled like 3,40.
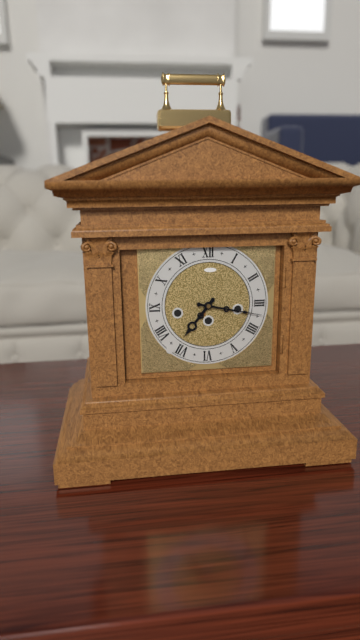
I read 7,17
